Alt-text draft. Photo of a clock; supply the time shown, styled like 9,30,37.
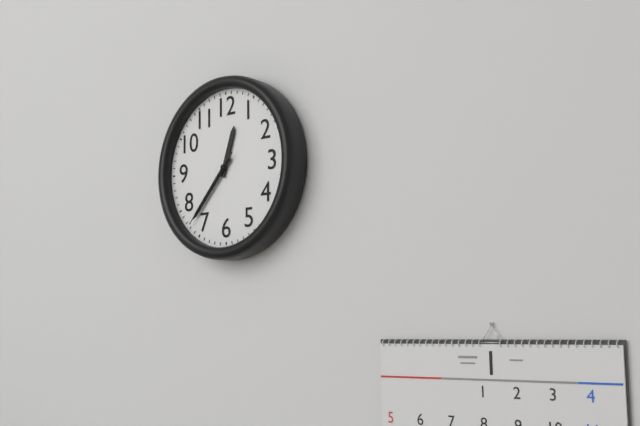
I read 12,37,37
